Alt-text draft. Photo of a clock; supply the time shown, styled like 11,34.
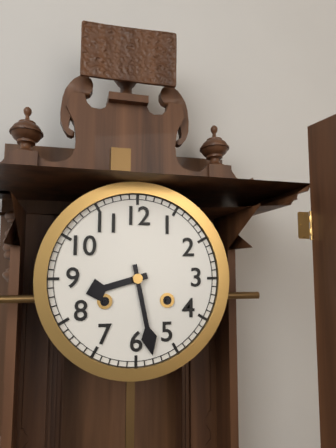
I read 8,28
